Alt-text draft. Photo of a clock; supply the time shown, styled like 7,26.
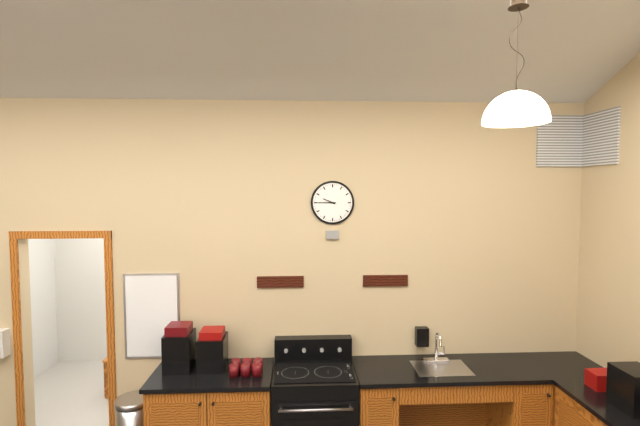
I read 9,45
